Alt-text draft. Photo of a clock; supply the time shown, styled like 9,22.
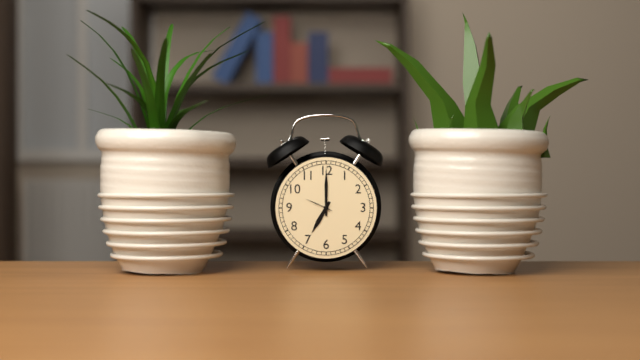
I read 7,00
